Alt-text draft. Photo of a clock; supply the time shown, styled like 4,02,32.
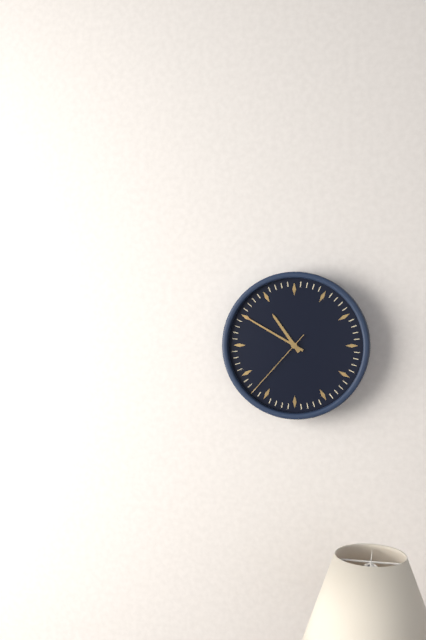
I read 10,50,37
